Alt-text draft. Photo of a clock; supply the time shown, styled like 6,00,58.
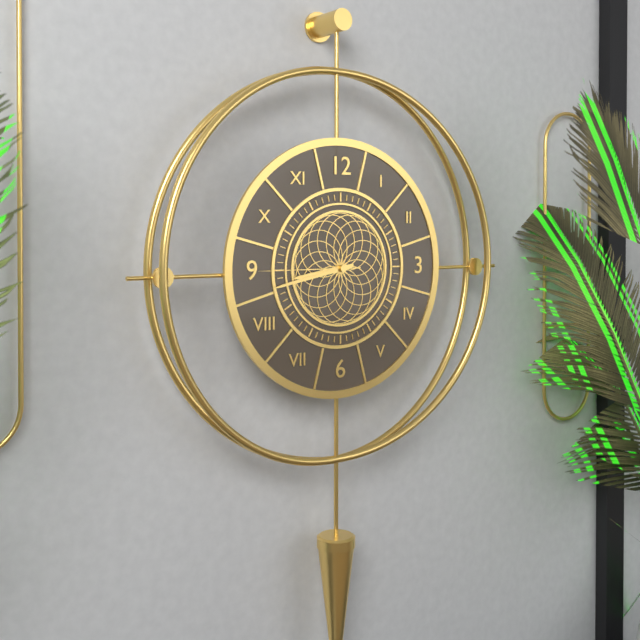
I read 8,43,45
